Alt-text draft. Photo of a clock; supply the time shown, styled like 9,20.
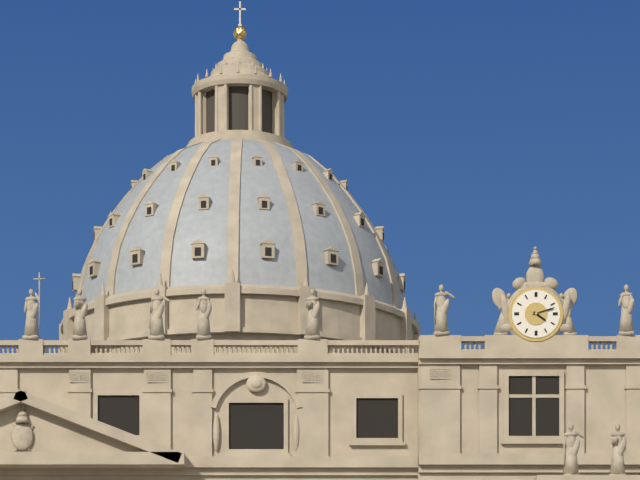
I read 4,12
